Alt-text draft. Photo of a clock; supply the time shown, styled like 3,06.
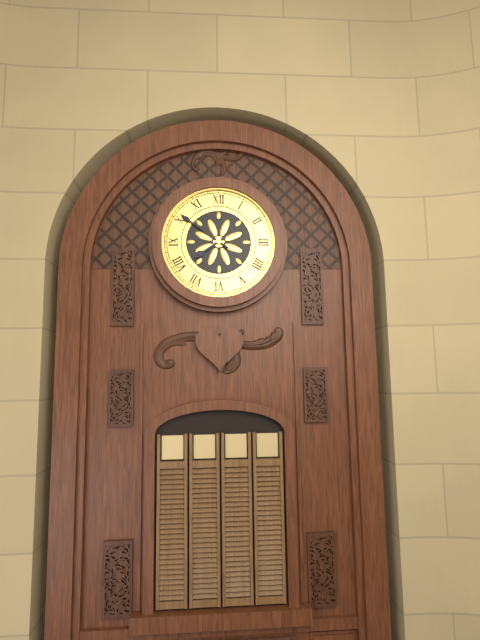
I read 7,51
